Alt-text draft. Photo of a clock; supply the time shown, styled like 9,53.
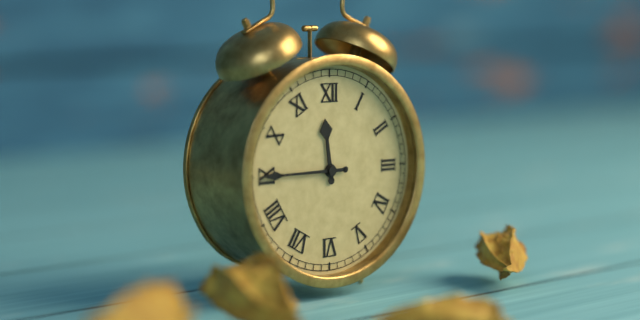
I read 11,45
